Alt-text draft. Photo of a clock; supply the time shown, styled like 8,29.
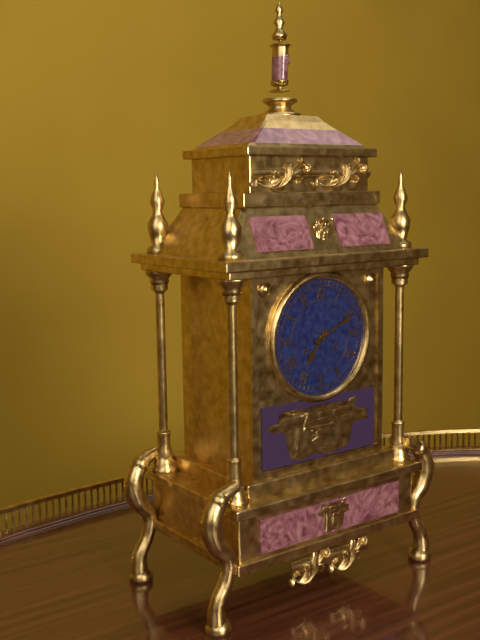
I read 7,11
